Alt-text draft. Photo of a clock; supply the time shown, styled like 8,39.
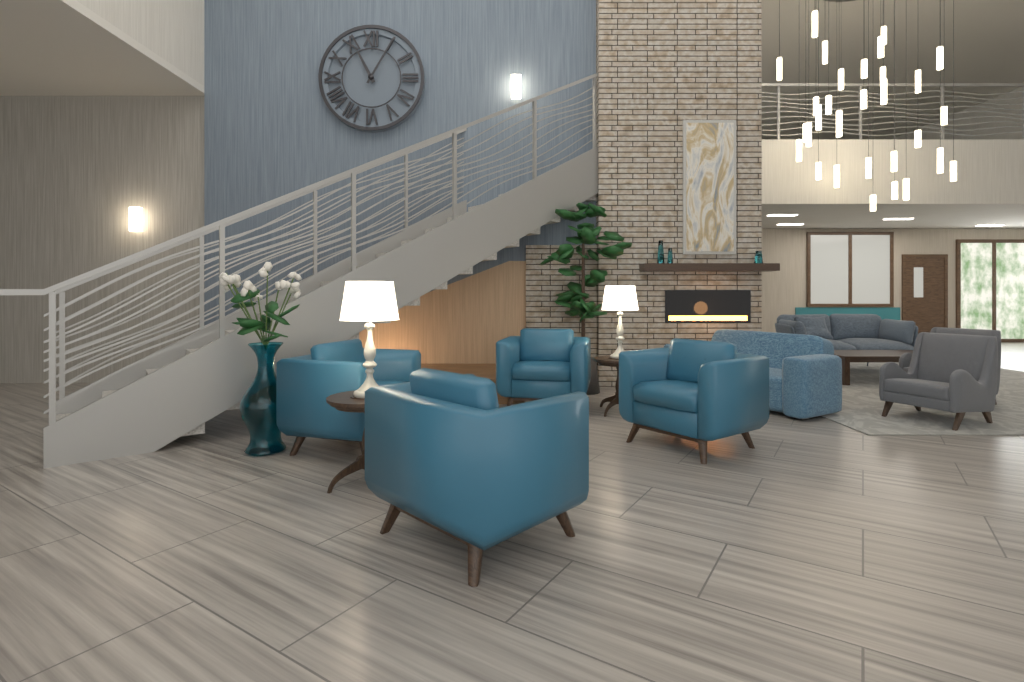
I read 11,05
